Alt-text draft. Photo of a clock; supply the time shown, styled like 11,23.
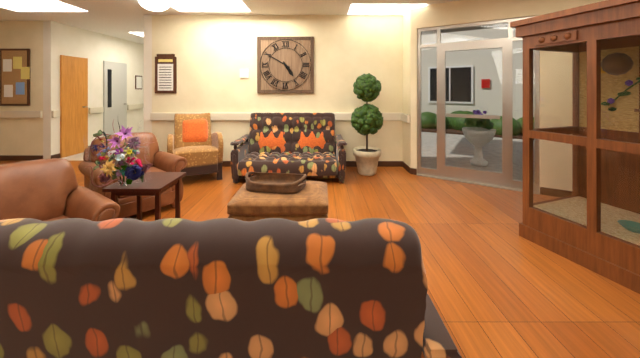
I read 4,50
